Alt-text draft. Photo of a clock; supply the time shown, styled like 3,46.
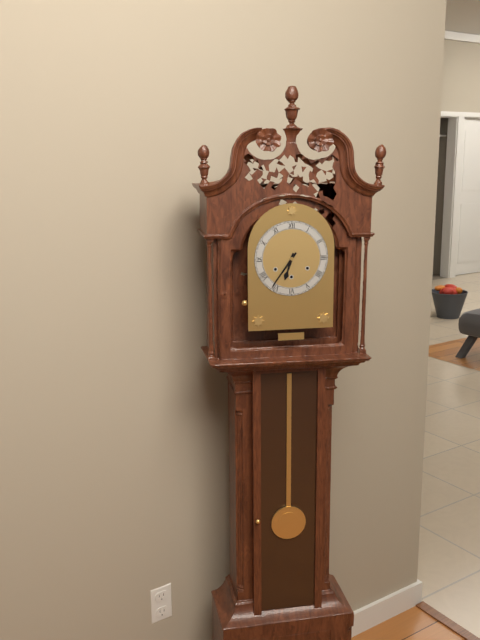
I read 6,36
